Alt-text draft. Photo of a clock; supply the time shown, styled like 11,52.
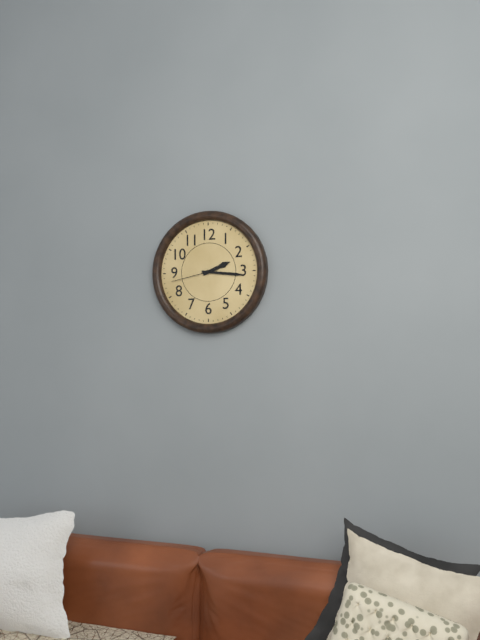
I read 2,16
